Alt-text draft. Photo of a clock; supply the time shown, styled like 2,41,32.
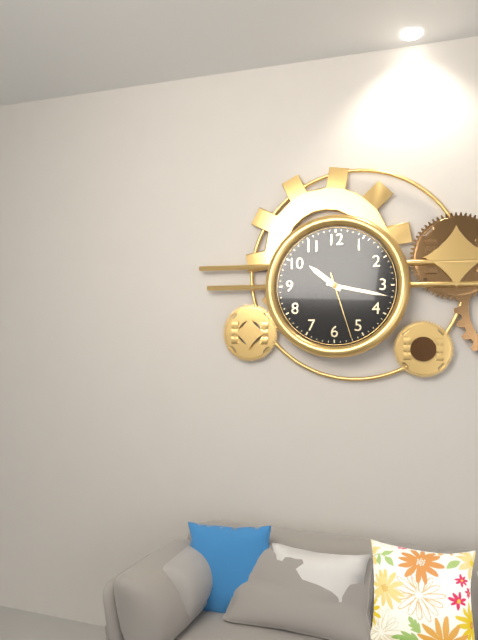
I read 10,17,27
